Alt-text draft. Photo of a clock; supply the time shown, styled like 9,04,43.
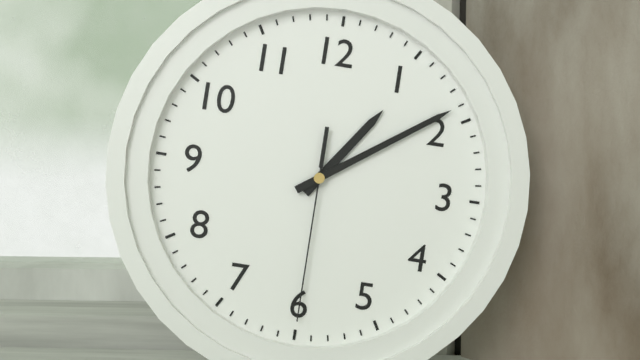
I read 1,09,30
